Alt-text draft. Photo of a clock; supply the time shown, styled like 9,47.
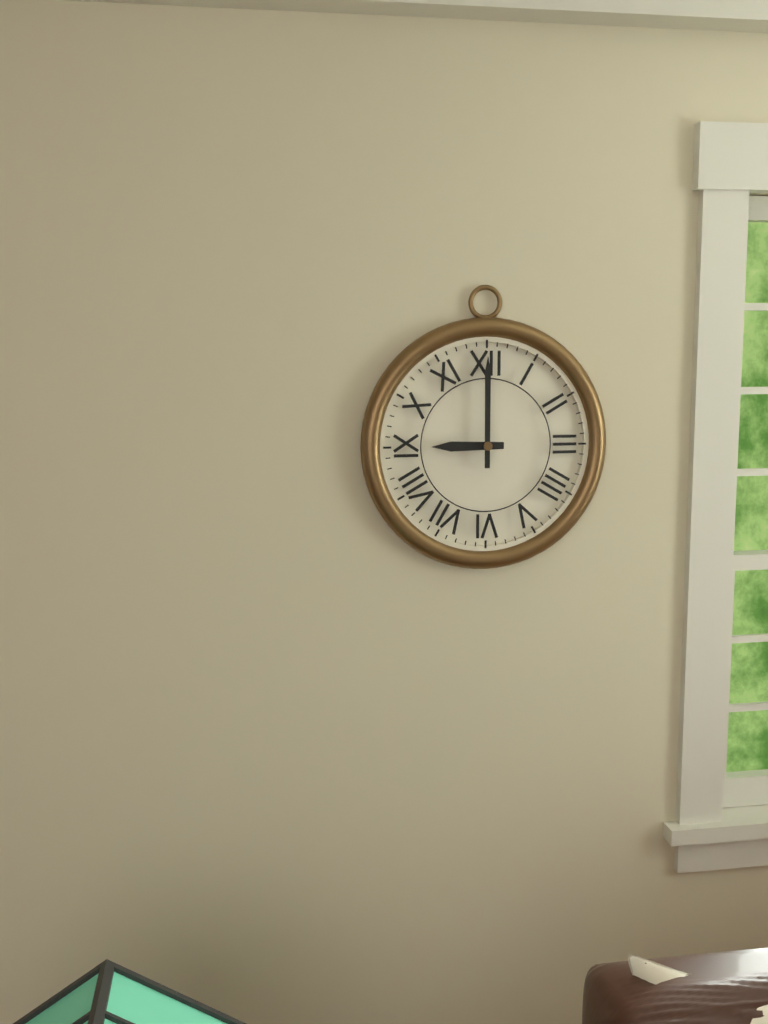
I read 9,00
